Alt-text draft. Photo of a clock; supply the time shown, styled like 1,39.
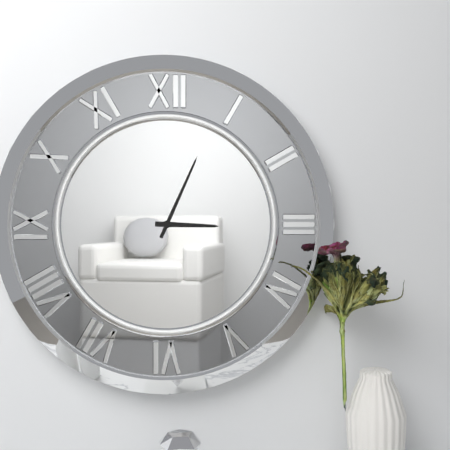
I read 3,04
